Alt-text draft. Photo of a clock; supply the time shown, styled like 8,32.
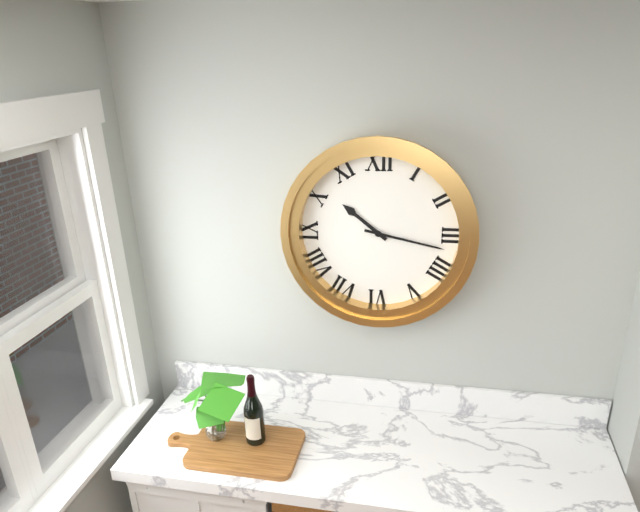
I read 10,17
